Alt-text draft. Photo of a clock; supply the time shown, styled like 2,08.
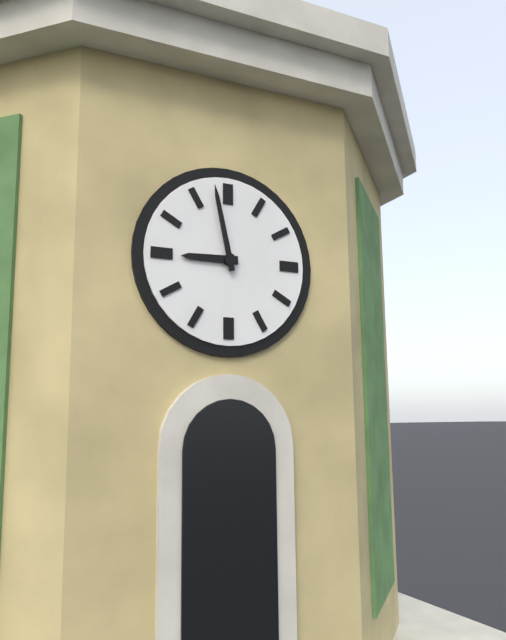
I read 8,58
